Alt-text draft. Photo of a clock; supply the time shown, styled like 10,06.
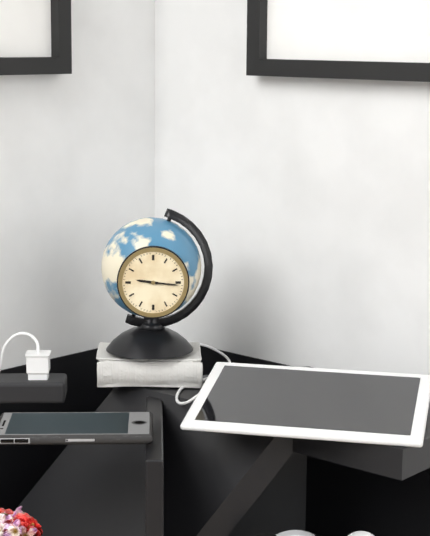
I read 9,16
